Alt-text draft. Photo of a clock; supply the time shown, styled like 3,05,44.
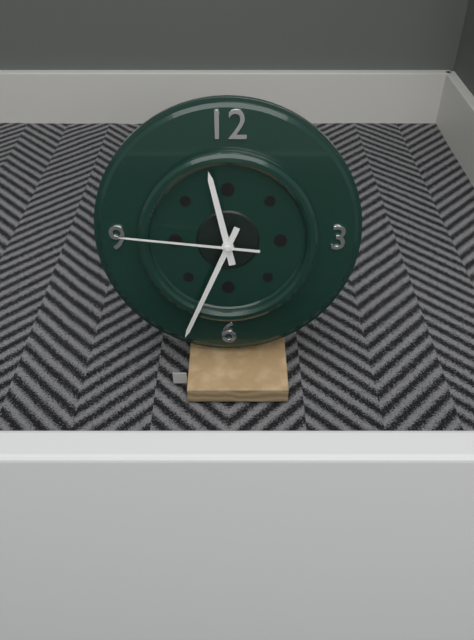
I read 11,34,46
